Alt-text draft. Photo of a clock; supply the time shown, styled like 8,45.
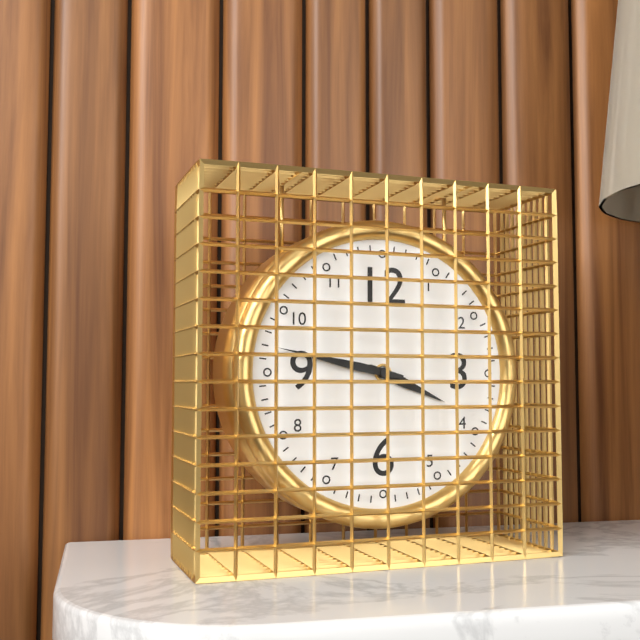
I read 3,47
